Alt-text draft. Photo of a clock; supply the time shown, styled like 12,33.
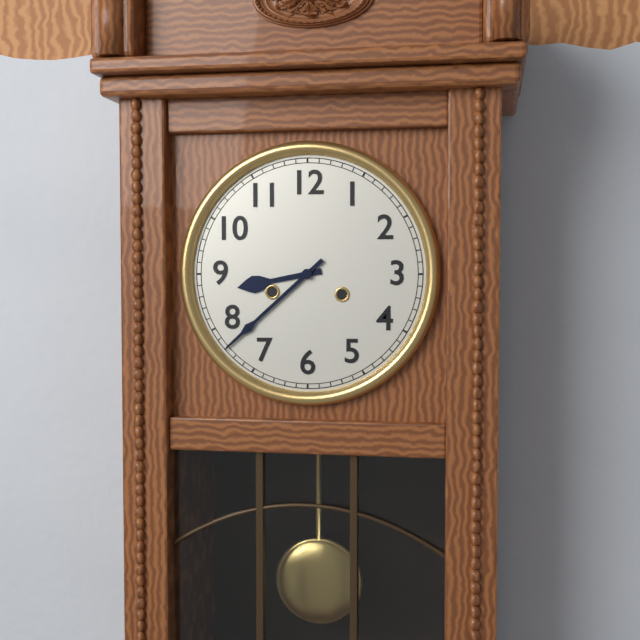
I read 8,38
